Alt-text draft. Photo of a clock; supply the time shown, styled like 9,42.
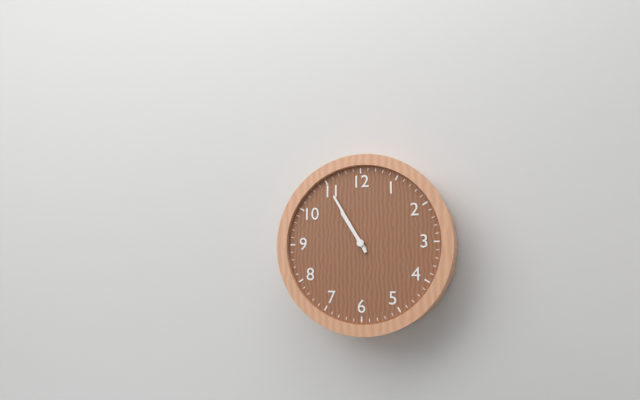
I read 10,55
